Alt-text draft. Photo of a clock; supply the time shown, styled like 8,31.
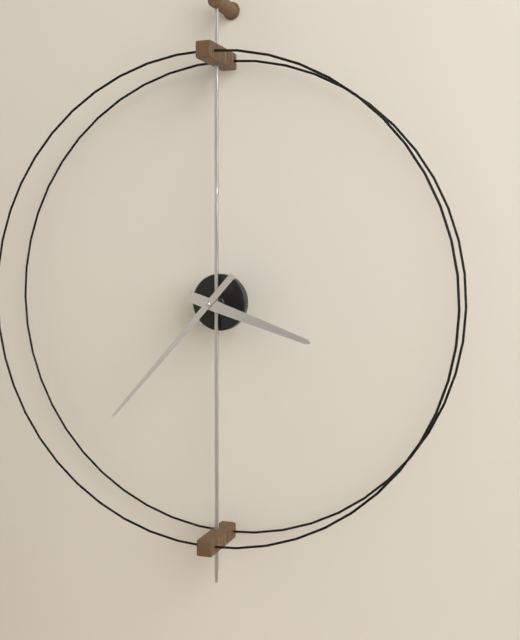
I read 3,37
